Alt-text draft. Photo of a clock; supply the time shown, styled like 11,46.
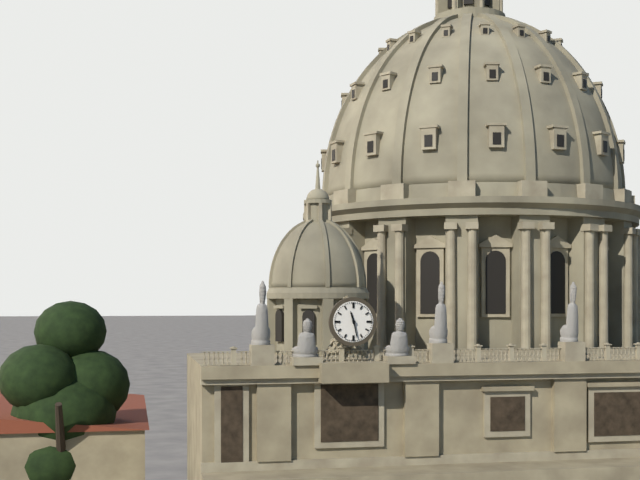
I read 11,28
